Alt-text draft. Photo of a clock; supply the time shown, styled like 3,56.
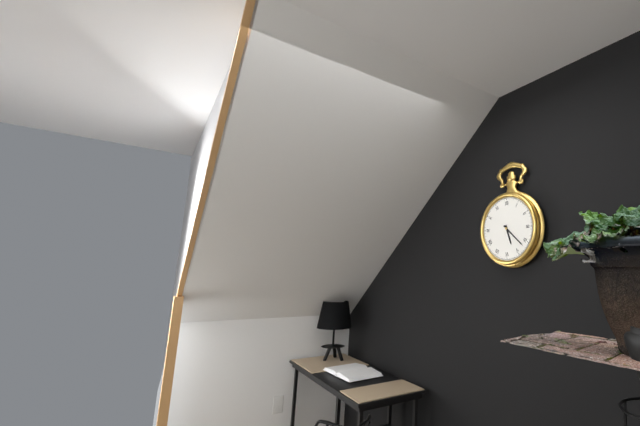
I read 5,22
